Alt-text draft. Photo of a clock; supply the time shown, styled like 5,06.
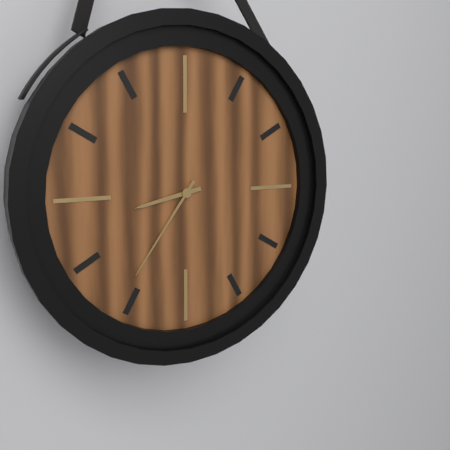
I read 8,36
